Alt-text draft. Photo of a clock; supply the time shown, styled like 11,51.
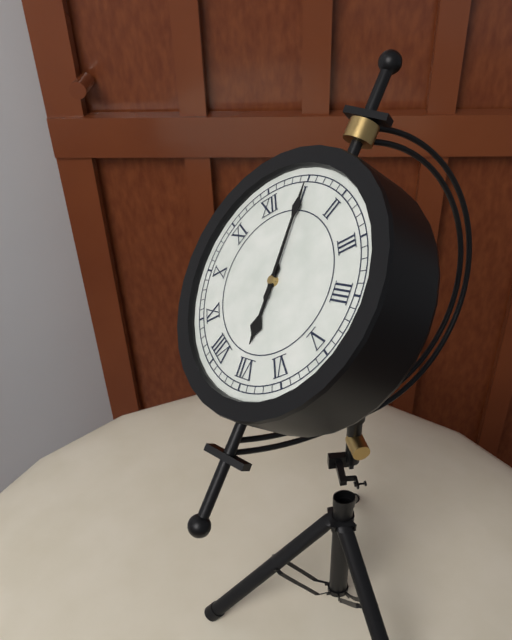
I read 7,05
